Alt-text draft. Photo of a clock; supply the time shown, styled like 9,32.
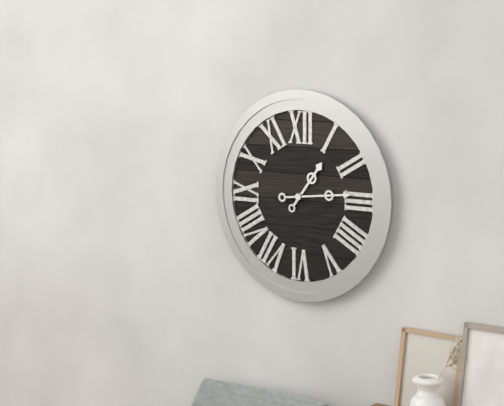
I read 1,14
